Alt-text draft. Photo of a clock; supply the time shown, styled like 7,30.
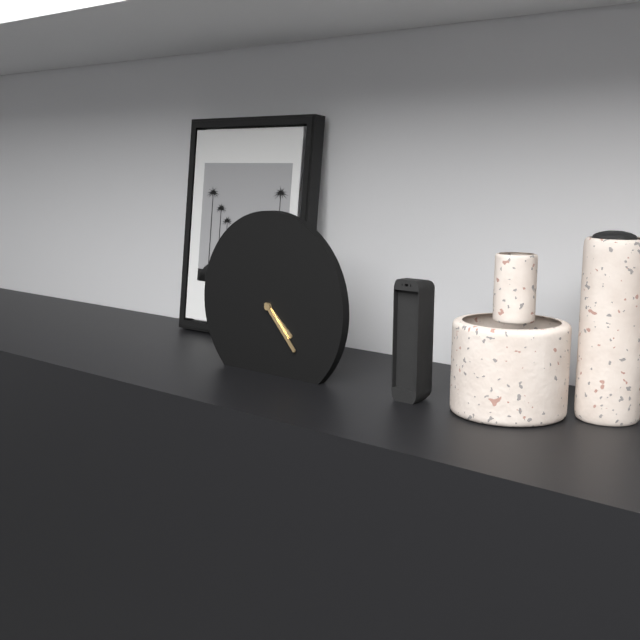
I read 4,23
